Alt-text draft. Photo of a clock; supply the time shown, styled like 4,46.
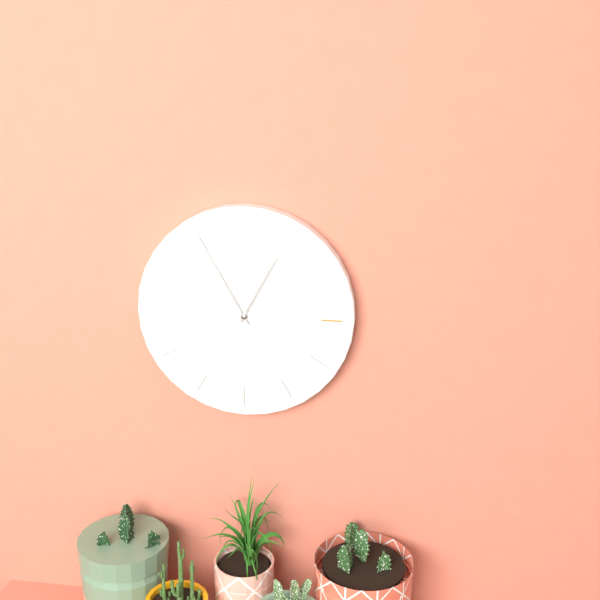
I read 12,55
